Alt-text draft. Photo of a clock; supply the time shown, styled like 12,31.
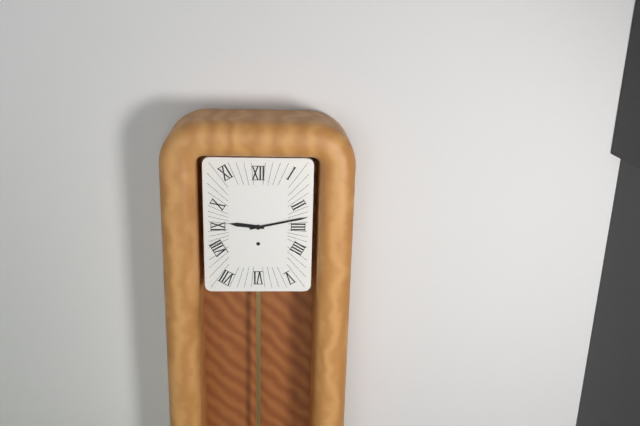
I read 9,13
